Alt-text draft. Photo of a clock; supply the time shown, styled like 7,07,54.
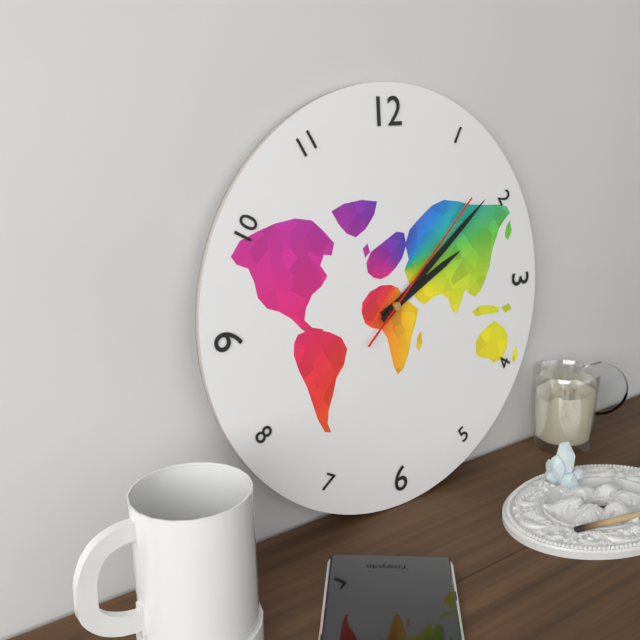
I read 2,09,08
